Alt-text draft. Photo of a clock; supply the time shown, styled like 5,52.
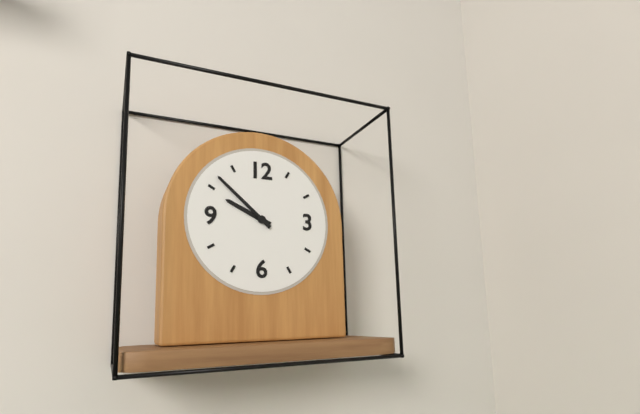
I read 9,52
